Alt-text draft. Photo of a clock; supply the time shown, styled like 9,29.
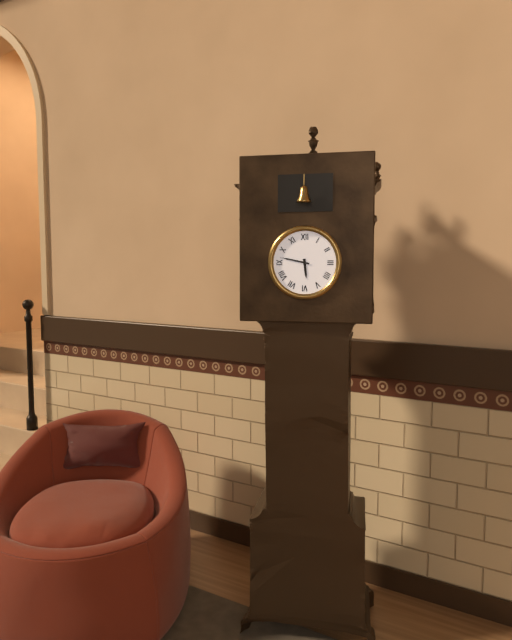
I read 5,47
